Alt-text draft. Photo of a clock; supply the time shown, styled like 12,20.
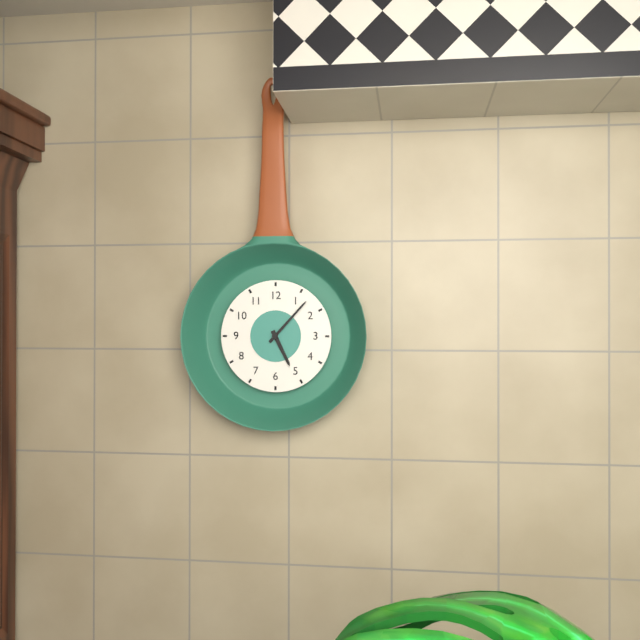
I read 5,07
